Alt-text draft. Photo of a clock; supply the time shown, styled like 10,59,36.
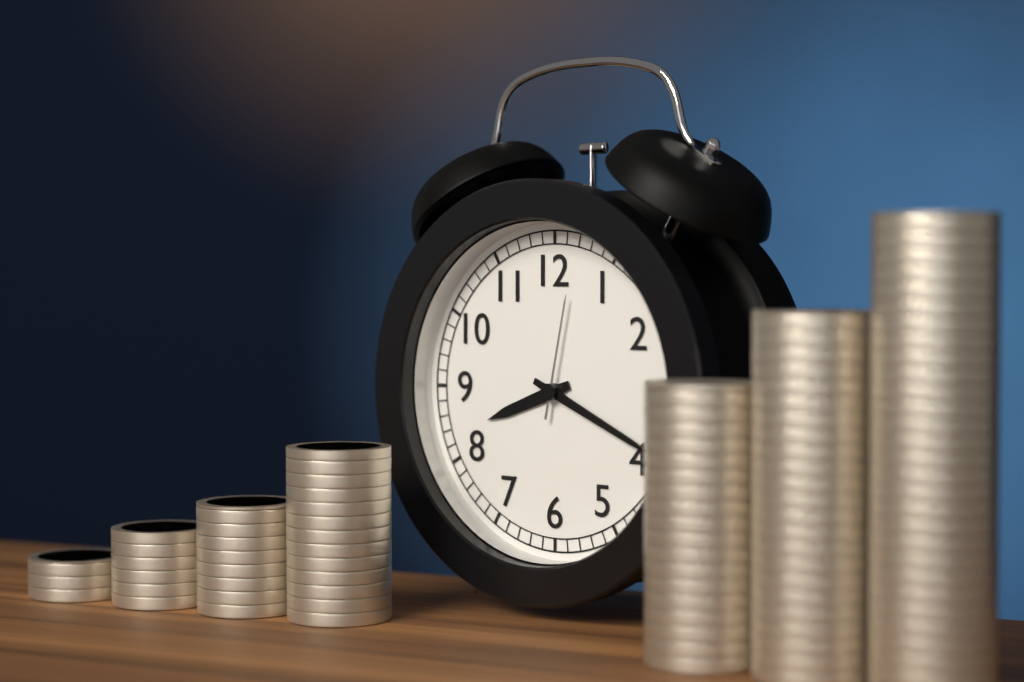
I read 8,19,02
